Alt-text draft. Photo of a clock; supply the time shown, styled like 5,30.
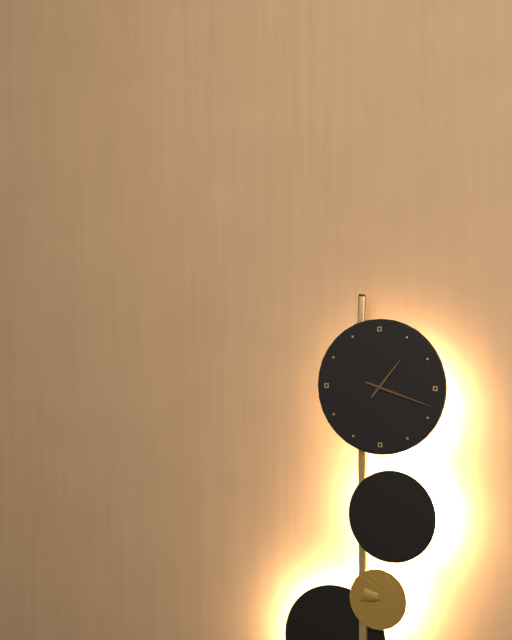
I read 1,18
